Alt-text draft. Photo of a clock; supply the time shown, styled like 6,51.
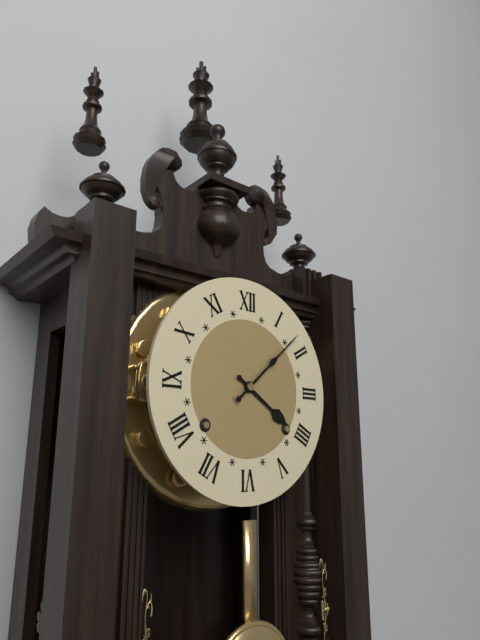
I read 4,08
